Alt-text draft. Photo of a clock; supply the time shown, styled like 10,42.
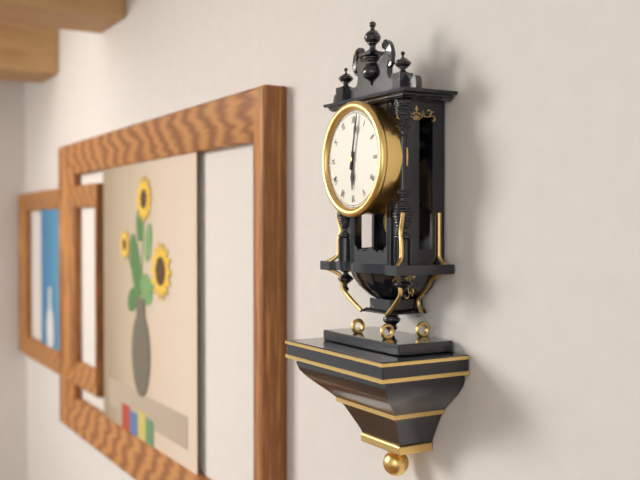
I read 6,02
